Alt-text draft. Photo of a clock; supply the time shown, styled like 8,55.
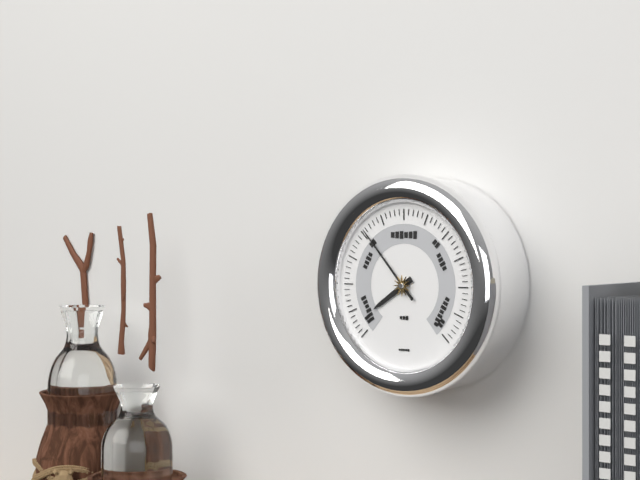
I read 7,53
